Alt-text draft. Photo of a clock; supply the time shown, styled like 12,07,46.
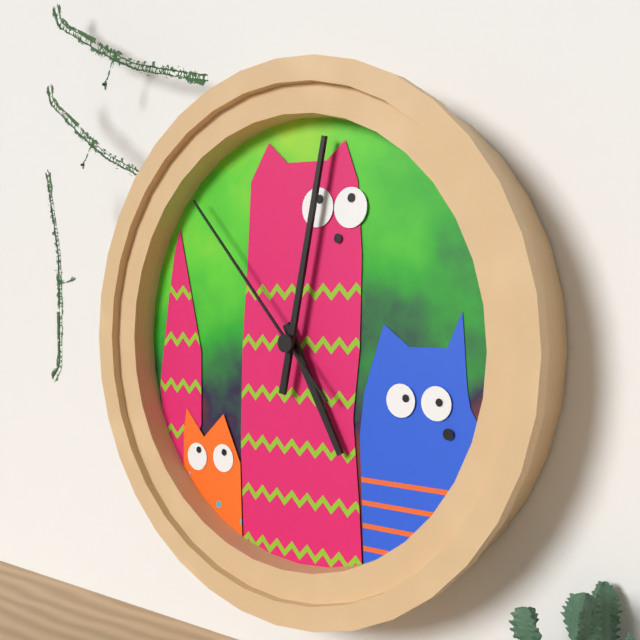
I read 5,02,53
